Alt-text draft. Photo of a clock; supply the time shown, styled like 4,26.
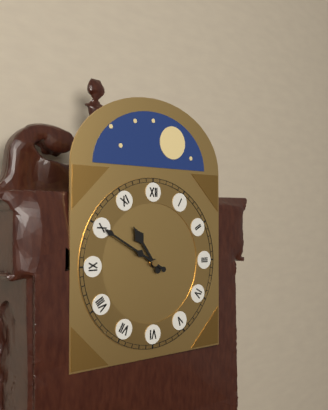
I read 10,50
